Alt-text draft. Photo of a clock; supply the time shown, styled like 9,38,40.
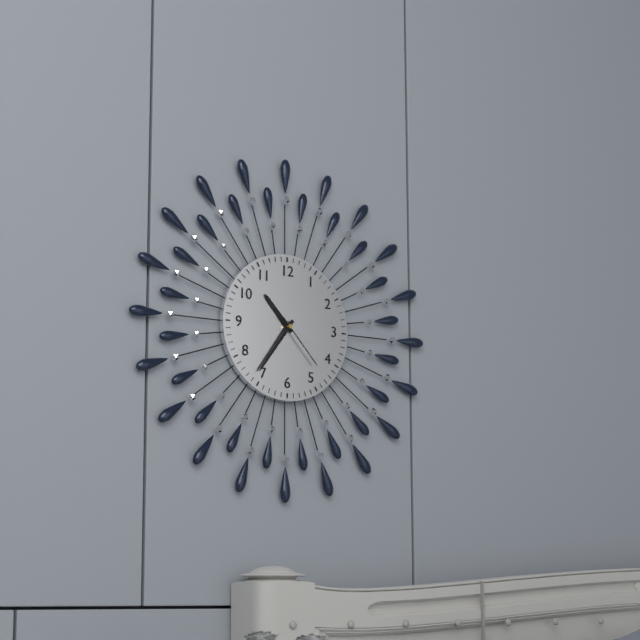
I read 10,36,23
